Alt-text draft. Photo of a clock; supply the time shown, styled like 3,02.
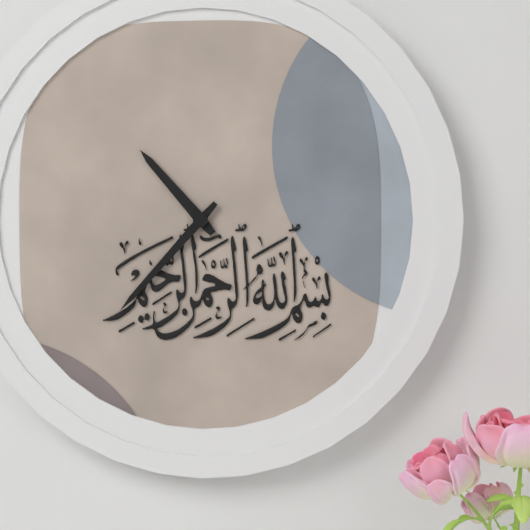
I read 10,37
